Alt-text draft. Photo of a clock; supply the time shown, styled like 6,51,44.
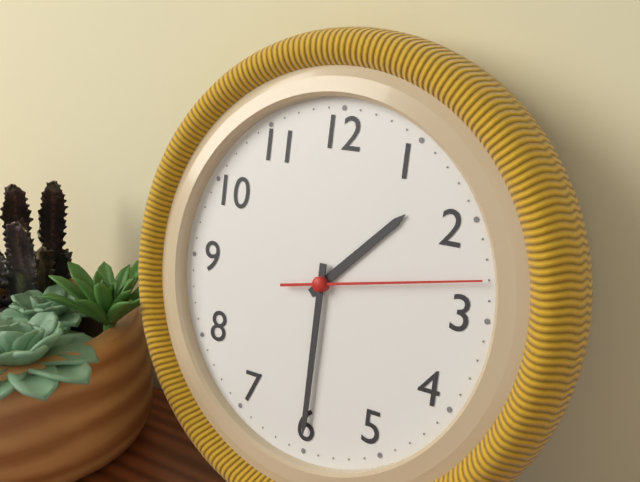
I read 1,30,13
